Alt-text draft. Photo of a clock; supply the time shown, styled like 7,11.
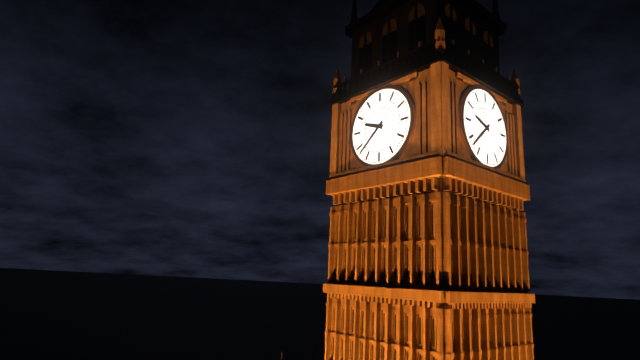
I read 9,38
